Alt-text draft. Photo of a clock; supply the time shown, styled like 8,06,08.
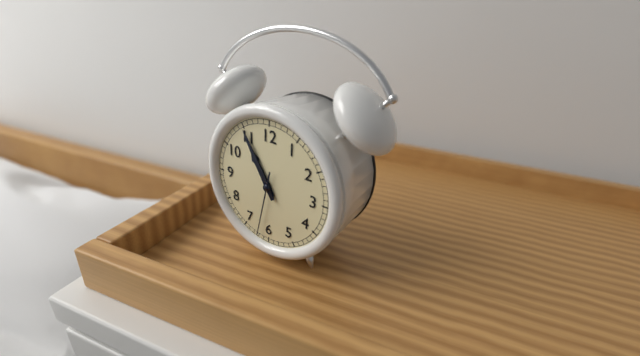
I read 10,55,32
